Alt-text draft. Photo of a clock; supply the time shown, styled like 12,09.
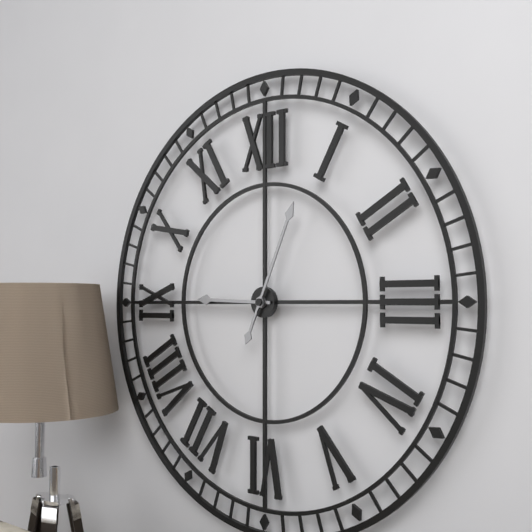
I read 9,04
